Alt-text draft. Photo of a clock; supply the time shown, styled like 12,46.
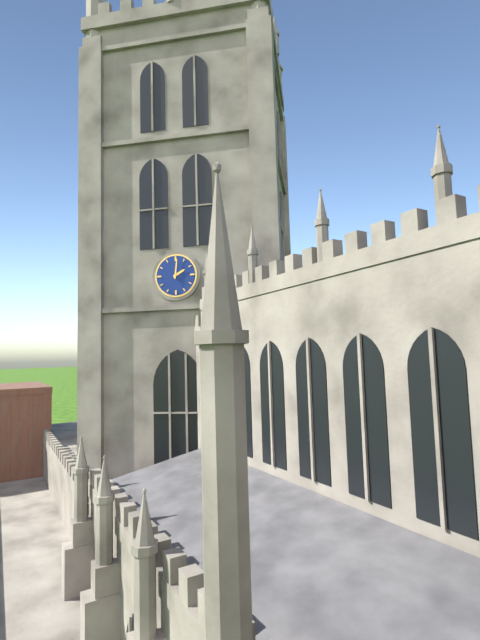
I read 2,01
